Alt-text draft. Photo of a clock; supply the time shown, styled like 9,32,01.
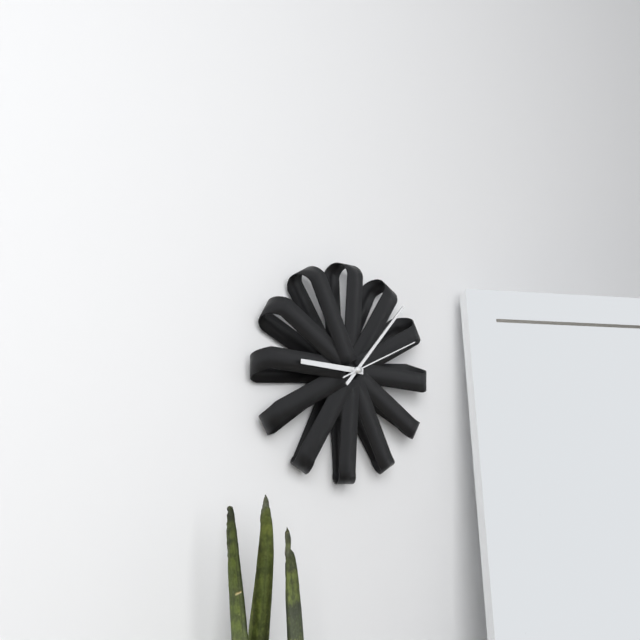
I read 9,07,11
